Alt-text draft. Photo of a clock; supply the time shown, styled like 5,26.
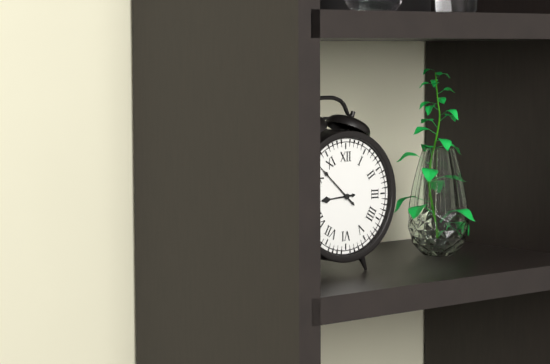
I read 8,52
